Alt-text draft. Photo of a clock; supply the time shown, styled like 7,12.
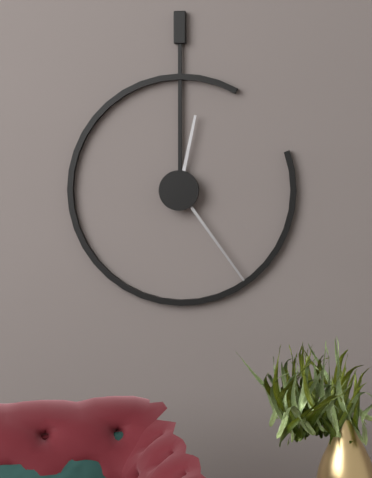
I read 12,24
